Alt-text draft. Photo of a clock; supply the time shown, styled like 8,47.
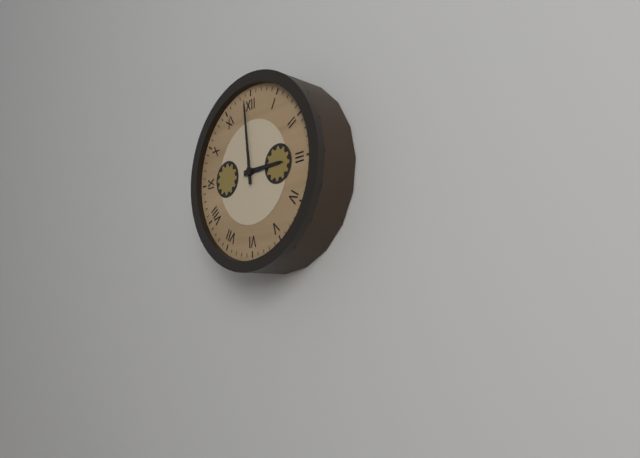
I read 2,59
